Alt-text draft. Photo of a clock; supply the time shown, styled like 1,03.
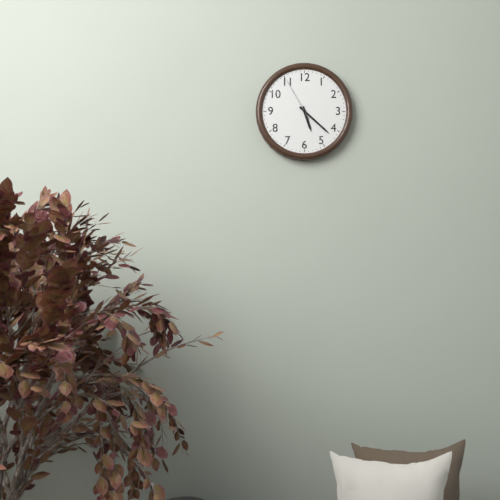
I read 5,22
